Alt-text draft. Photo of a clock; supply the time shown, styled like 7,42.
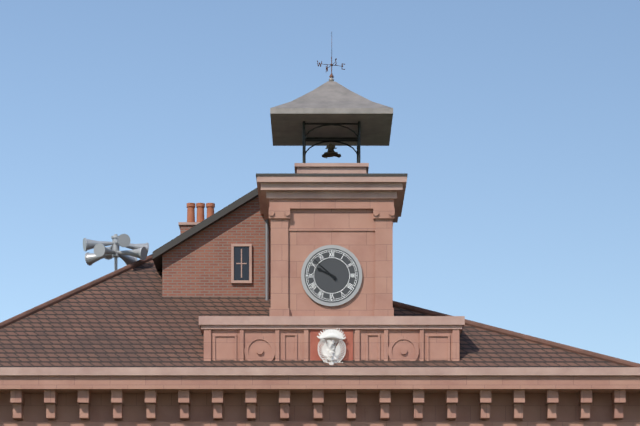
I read 9,52
